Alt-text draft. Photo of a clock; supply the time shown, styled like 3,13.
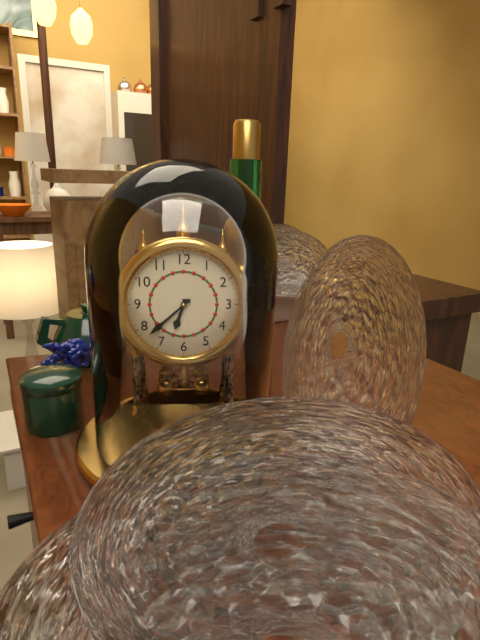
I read 6,38
